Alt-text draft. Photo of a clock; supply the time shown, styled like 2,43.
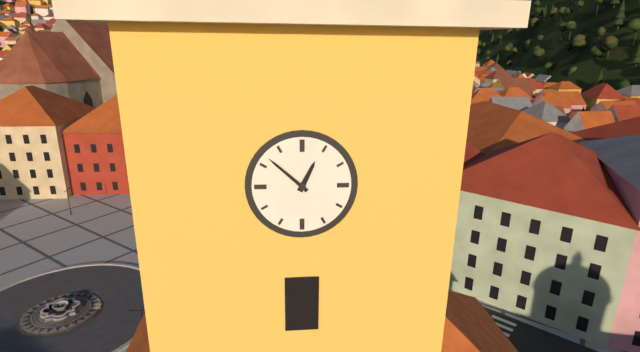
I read 12,52
